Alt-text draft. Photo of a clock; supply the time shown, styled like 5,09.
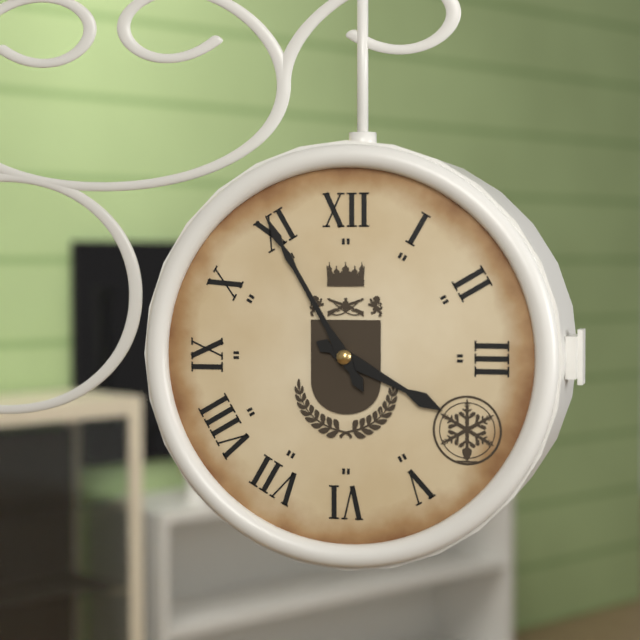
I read 3,55
